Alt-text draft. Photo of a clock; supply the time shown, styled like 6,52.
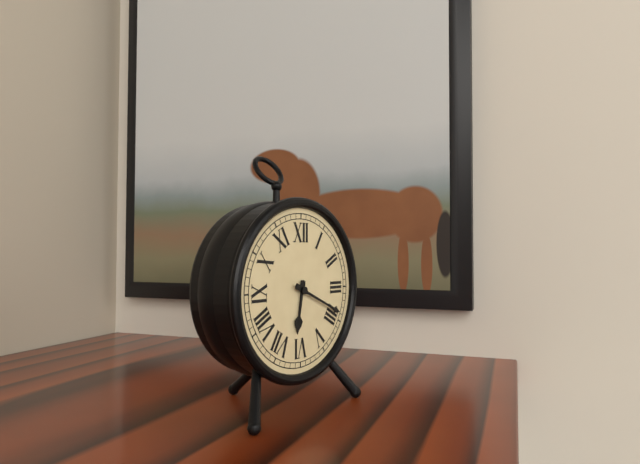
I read 6,19
